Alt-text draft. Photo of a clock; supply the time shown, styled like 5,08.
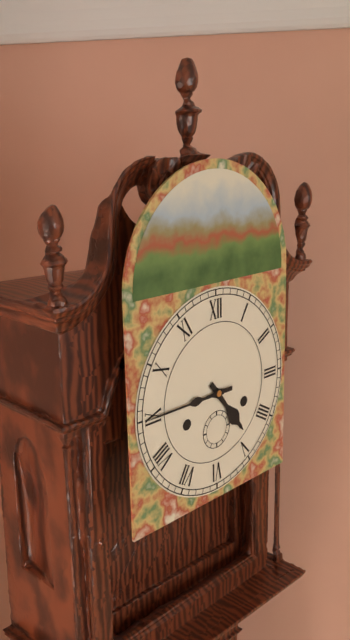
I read 4,45
